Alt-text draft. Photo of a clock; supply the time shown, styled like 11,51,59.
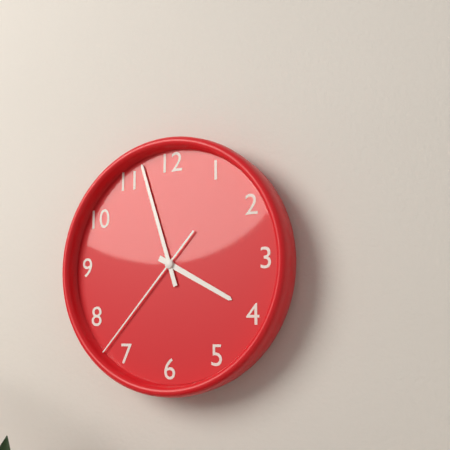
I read 3,57,37
